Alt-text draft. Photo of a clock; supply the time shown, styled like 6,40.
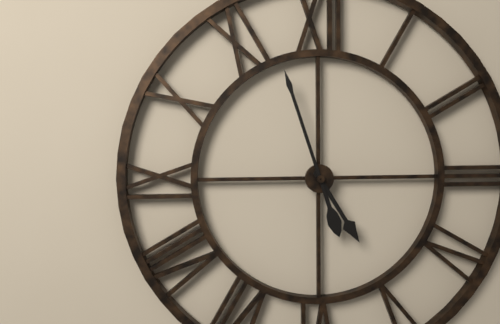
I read 4,57
